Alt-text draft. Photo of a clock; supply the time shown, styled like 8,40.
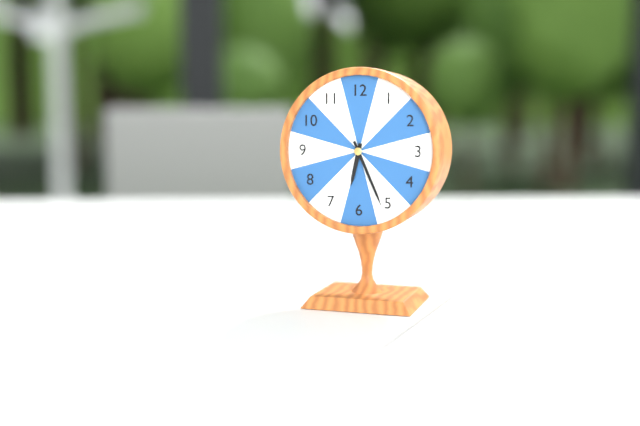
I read 6,26
